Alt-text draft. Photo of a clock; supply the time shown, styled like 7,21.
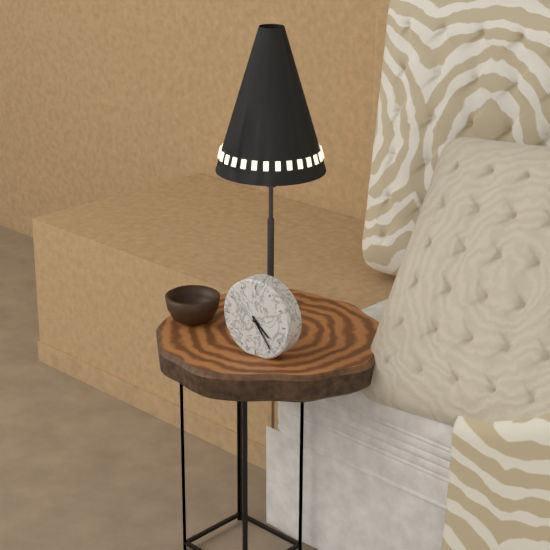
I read 4,24
